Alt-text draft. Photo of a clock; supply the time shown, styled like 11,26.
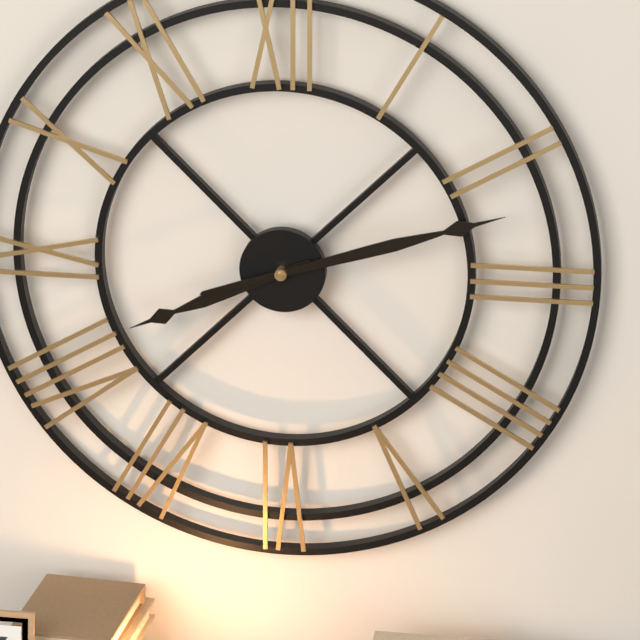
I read 8,12
